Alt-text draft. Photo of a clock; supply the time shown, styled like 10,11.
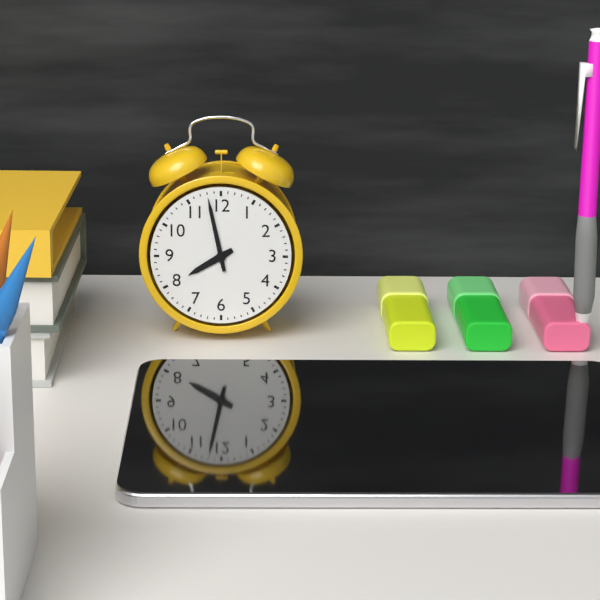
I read 7,58
